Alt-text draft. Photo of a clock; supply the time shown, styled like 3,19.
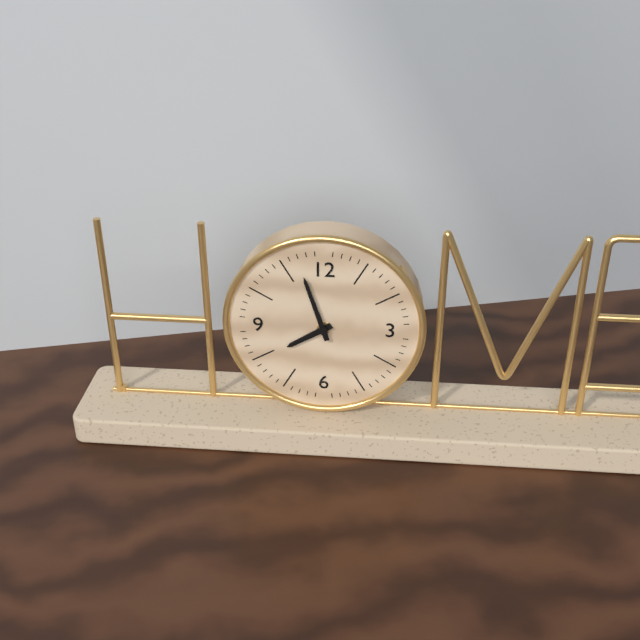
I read 7,57
